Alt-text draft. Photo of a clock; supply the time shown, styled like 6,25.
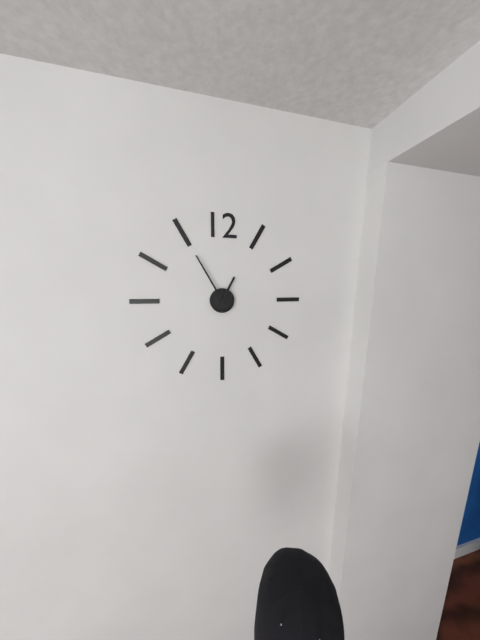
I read 12,55
